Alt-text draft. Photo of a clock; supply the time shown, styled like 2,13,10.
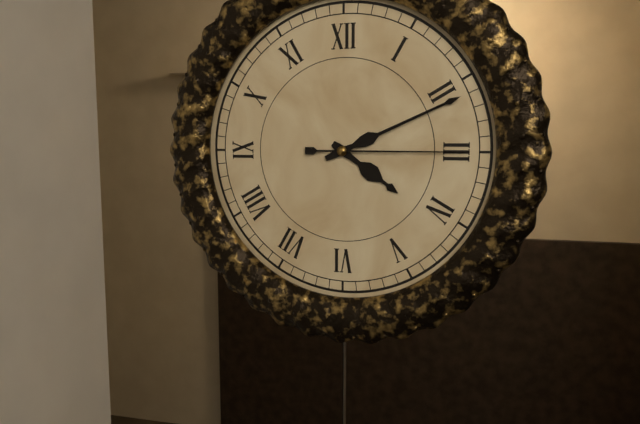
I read 4,11,15
